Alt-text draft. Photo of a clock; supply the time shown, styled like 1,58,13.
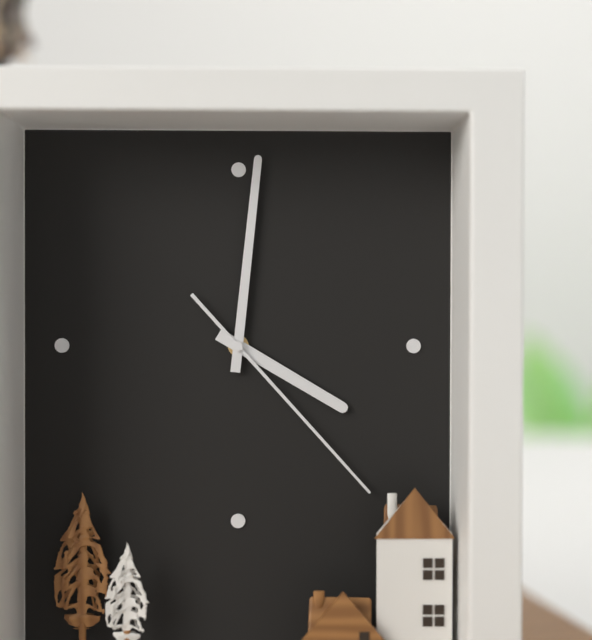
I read 4,01,23
